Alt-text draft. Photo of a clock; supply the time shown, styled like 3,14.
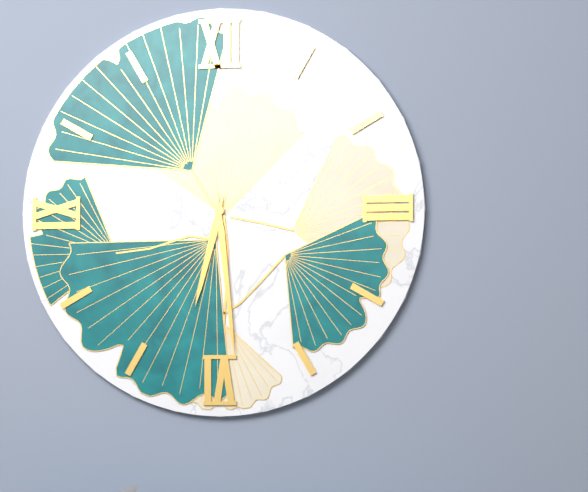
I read 6,29
